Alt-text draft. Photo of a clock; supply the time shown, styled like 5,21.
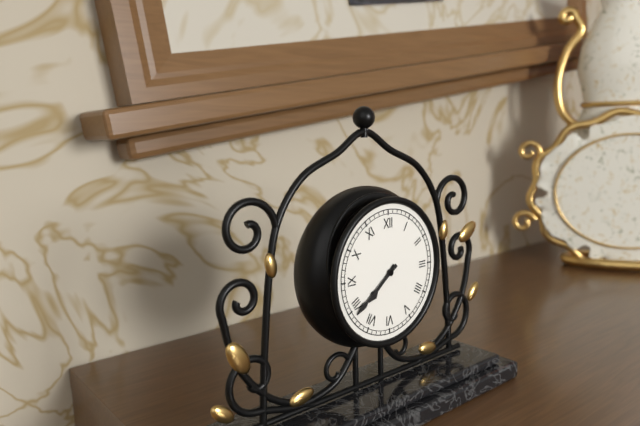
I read 7,39
